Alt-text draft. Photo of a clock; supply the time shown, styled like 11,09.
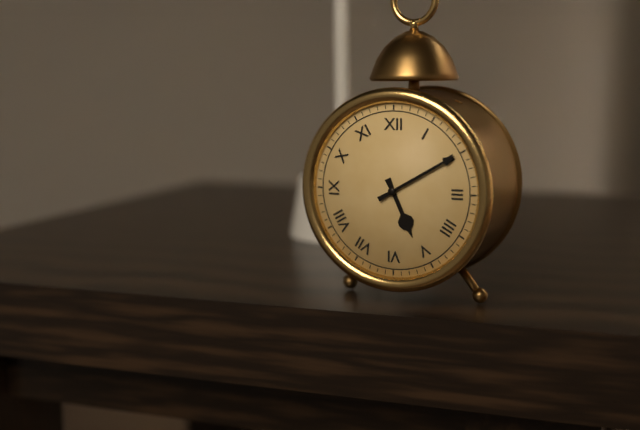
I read 5,10
